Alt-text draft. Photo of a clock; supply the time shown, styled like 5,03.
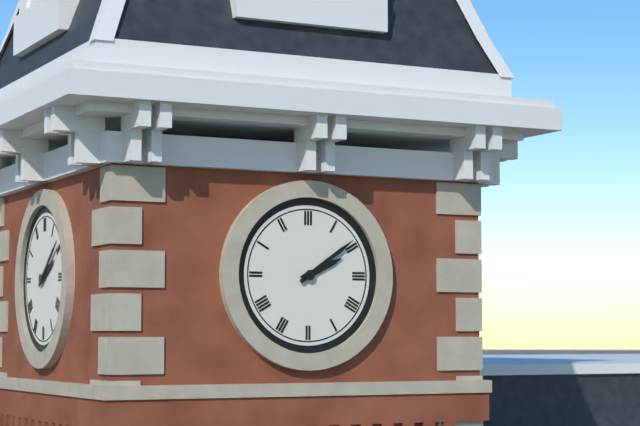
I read 2,09
